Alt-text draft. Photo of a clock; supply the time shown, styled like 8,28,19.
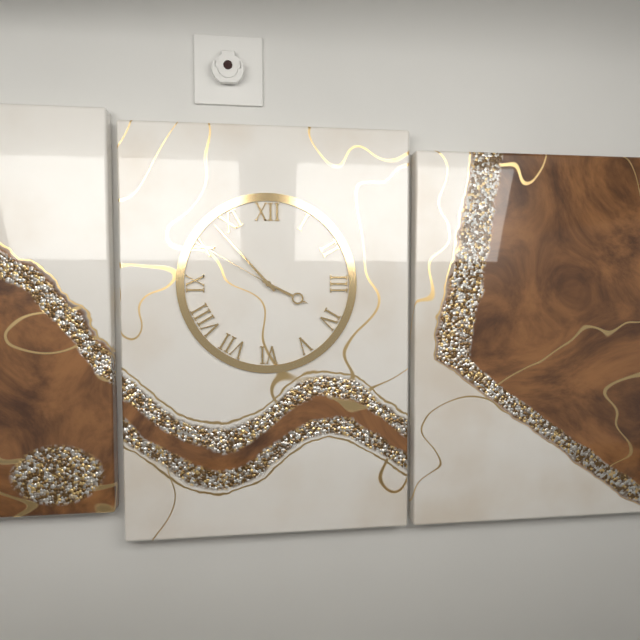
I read 3,53,50
